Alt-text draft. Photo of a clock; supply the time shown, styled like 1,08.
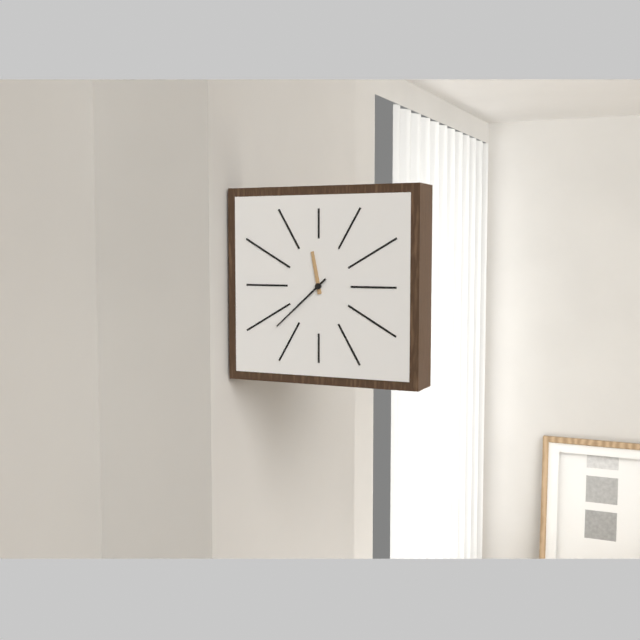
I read 11,38
